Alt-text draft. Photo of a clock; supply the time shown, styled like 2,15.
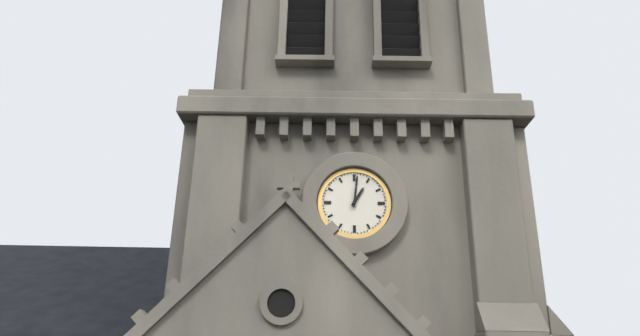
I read 1,01
